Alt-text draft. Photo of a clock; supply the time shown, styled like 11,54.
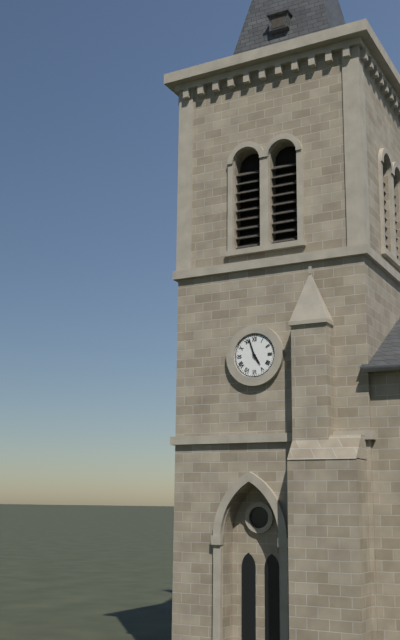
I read 4,57
